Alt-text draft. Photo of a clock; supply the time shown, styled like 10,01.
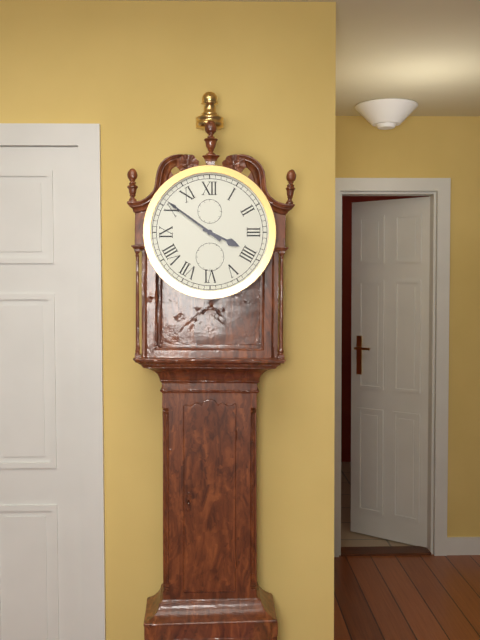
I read 3,51
